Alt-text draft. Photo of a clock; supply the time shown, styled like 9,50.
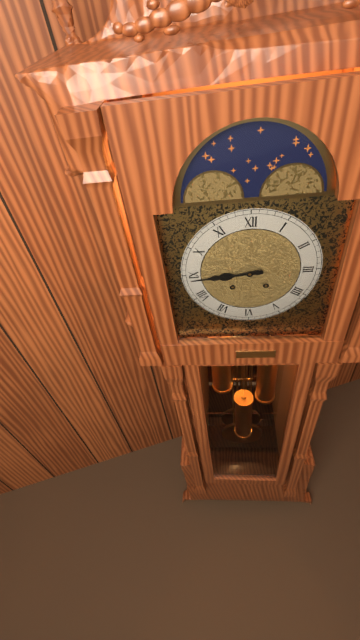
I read 8,44
